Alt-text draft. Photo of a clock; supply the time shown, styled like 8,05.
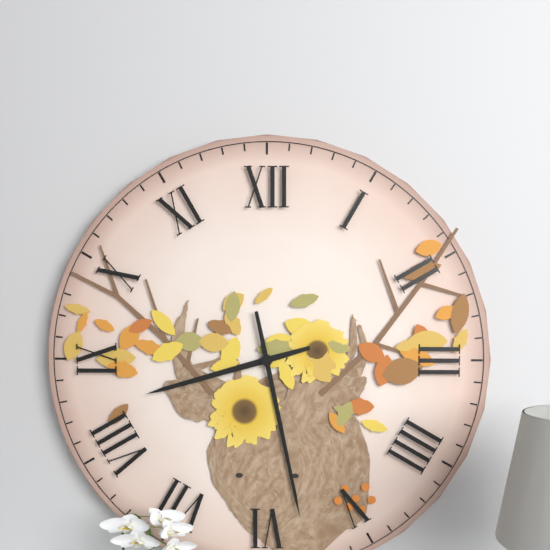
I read 8,28
